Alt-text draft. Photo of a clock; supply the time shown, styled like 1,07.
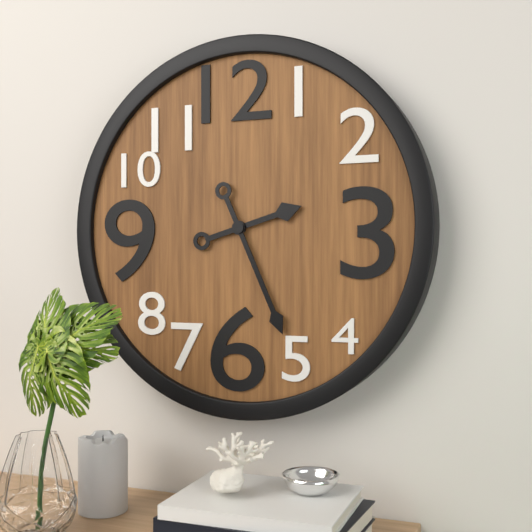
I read 2,26
